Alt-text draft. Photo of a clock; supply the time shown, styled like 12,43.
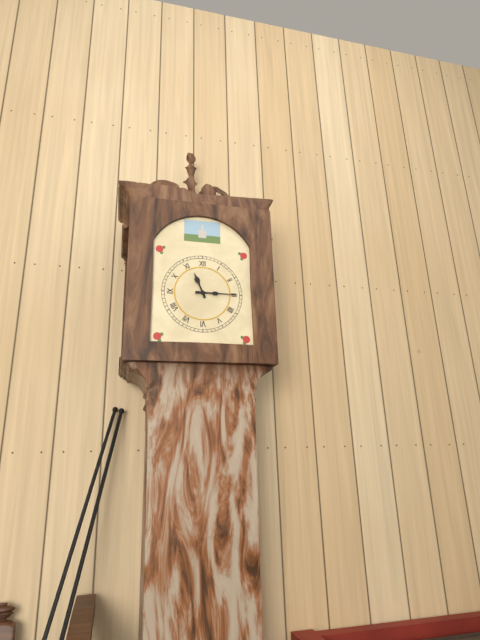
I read 11,15
